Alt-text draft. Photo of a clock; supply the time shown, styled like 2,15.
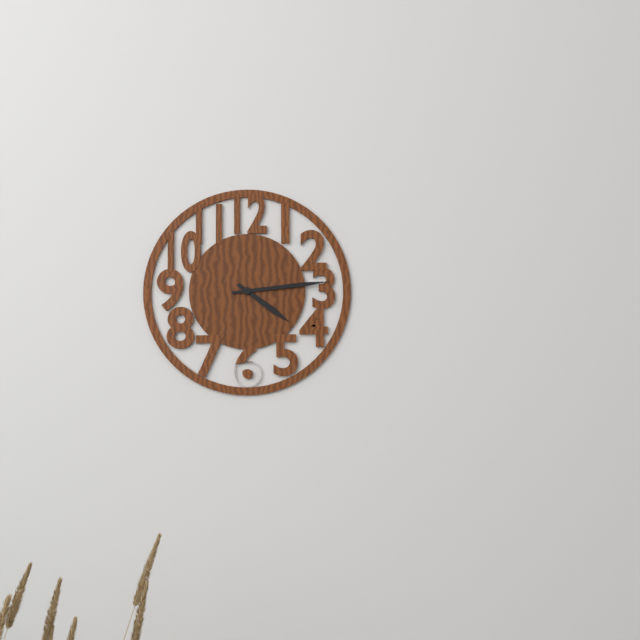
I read 4,14
